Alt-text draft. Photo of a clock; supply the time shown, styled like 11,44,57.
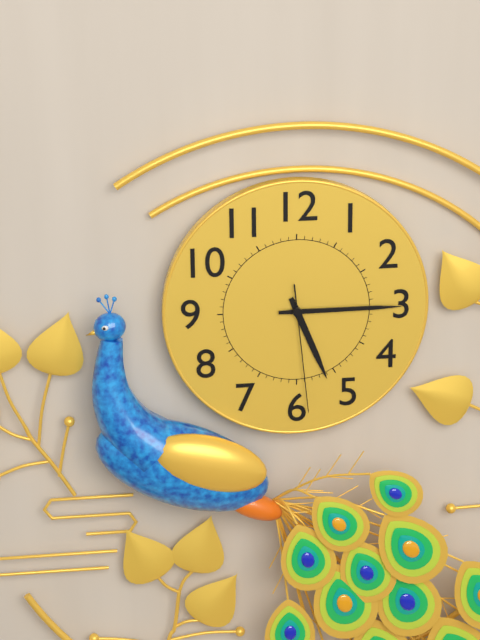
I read 5,15,29
